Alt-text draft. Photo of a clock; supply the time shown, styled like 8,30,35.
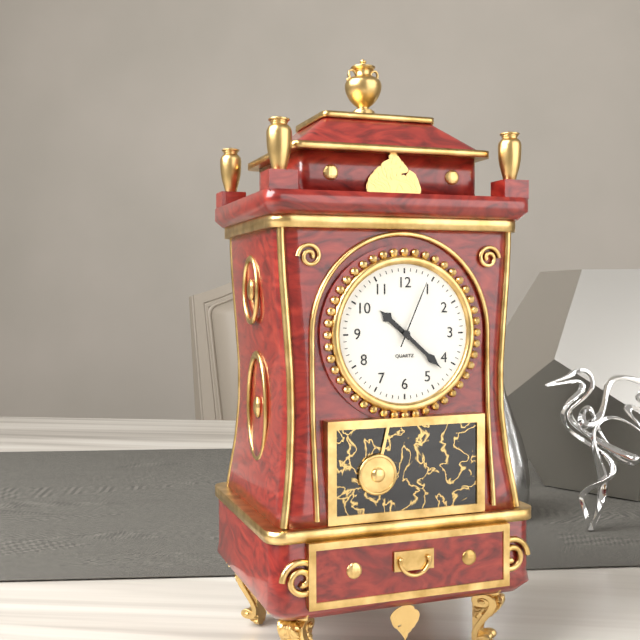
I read 10,22,04
